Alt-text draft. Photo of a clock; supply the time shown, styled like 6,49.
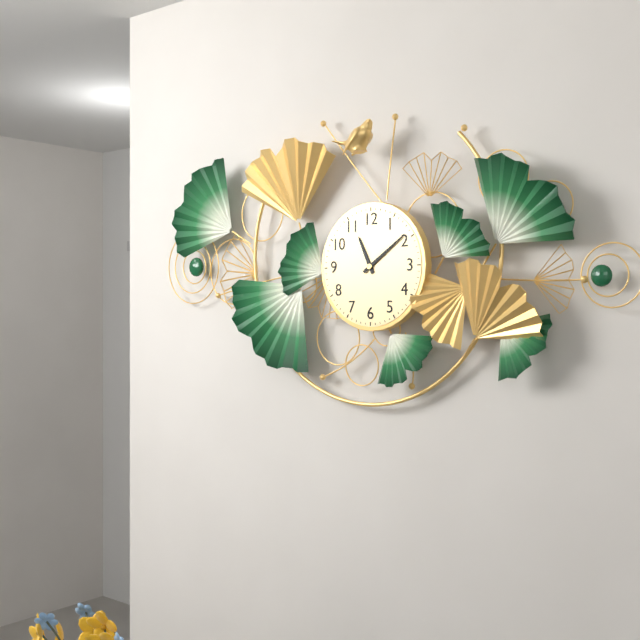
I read 11,09
